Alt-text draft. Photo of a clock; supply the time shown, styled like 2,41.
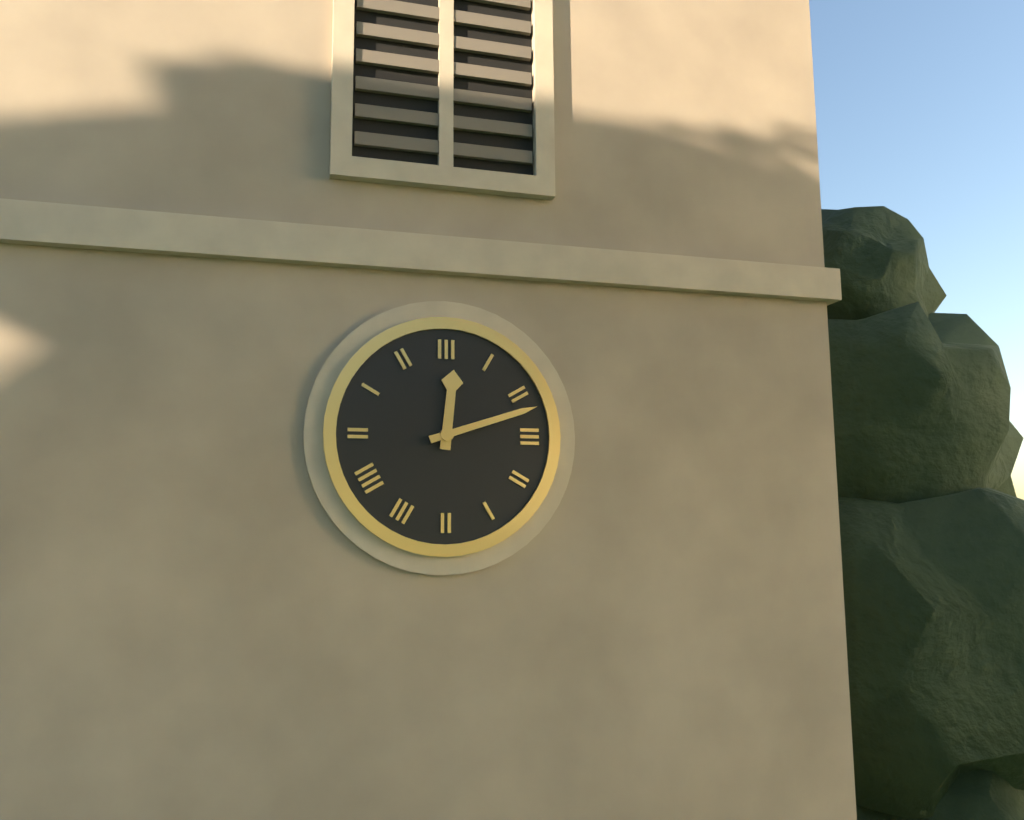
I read 12,12
